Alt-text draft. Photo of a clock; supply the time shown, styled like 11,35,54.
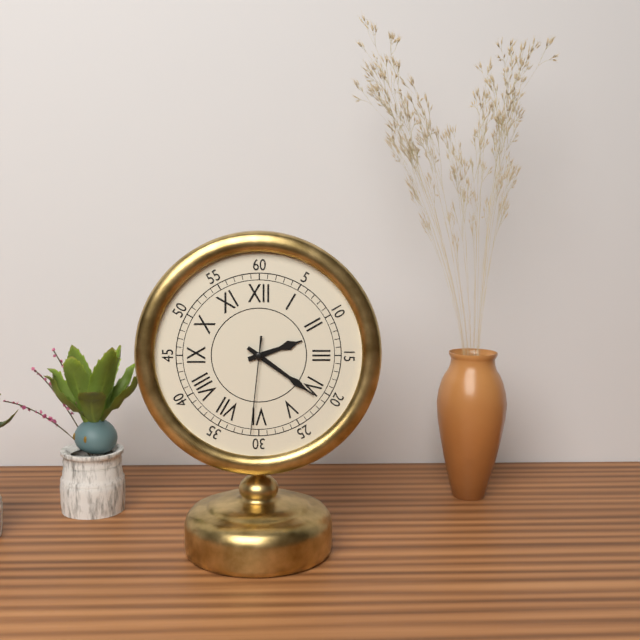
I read 2,21,31
